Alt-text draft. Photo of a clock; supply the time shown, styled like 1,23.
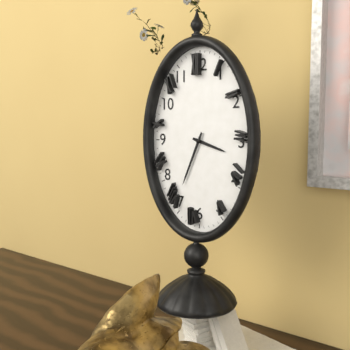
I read 3,34
